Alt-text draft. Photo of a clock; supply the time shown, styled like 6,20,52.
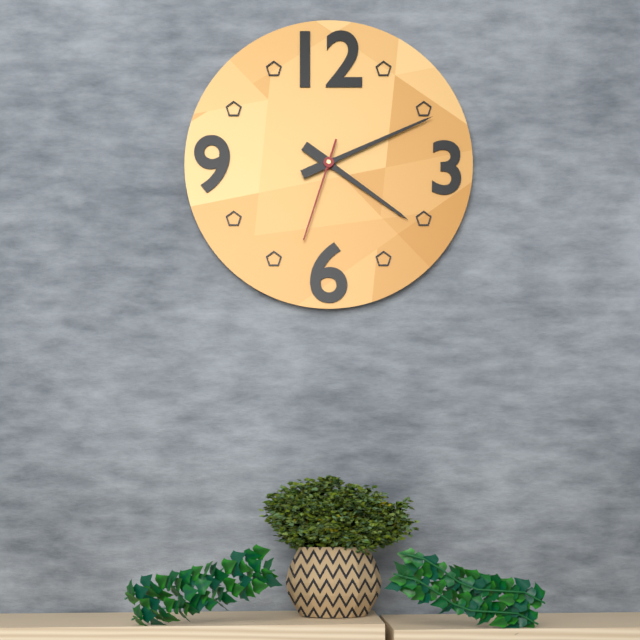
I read 4,11,33
